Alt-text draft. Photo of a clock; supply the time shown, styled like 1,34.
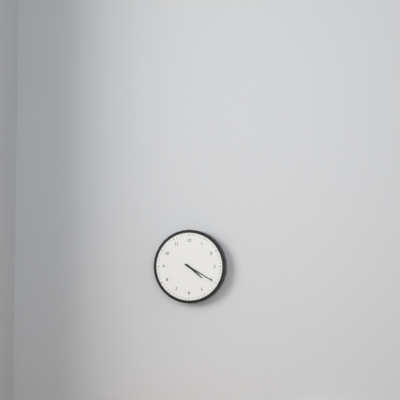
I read 4,20
